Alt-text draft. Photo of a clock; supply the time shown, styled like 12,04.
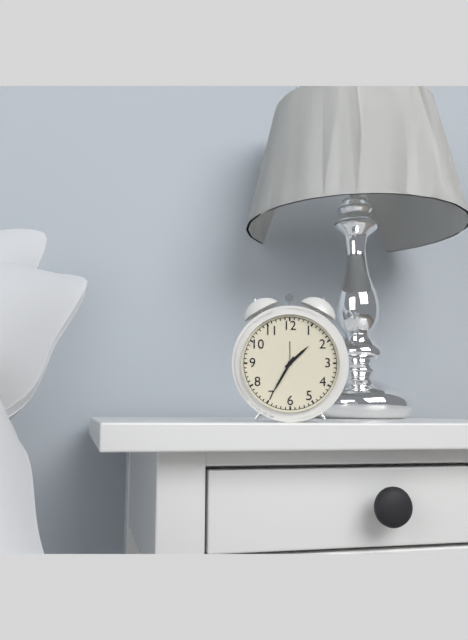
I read 1,35
